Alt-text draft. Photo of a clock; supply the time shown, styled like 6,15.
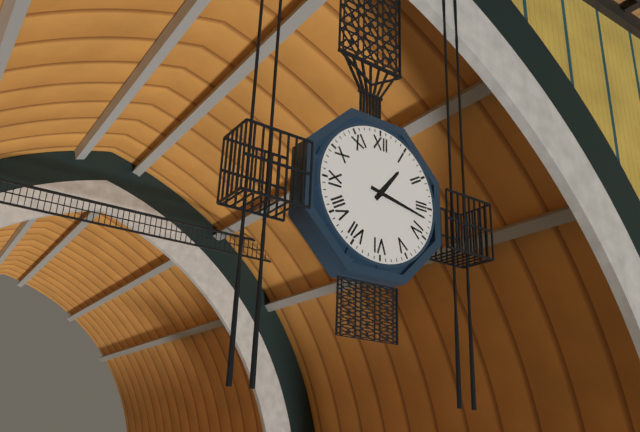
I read 1,17
